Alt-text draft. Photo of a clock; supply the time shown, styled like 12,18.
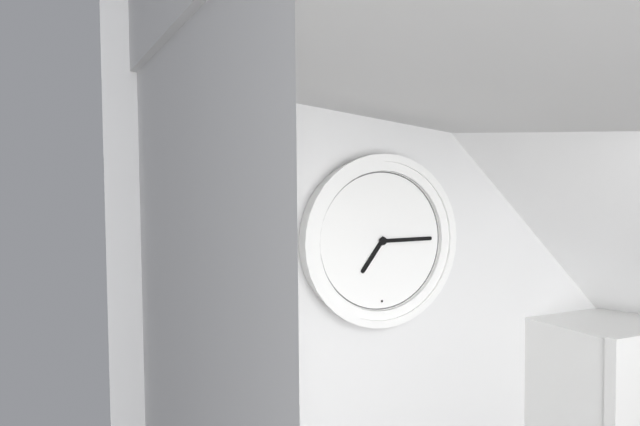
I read 7,15
